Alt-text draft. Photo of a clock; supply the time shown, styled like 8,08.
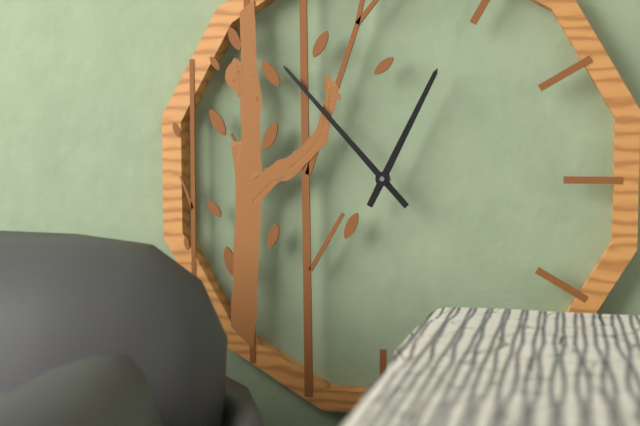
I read 12,53
